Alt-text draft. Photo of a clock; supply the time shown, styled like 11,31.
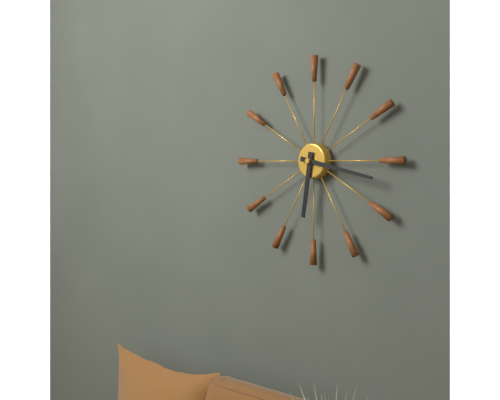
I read 6,17
